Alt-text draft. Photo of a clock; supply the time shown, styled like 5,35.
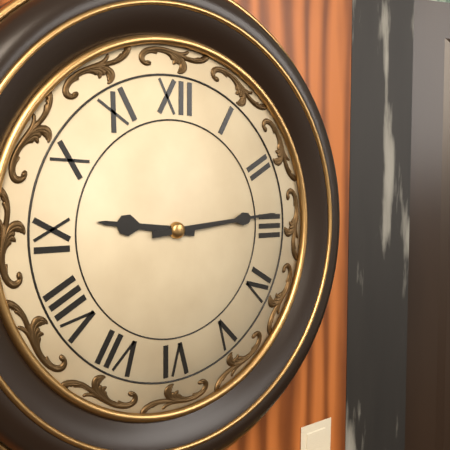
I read 9,14
